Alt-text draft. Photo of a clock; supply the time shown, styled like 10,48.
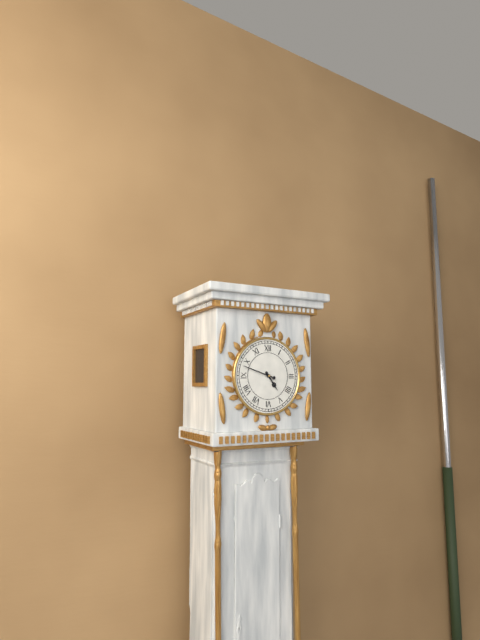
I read 4,48
